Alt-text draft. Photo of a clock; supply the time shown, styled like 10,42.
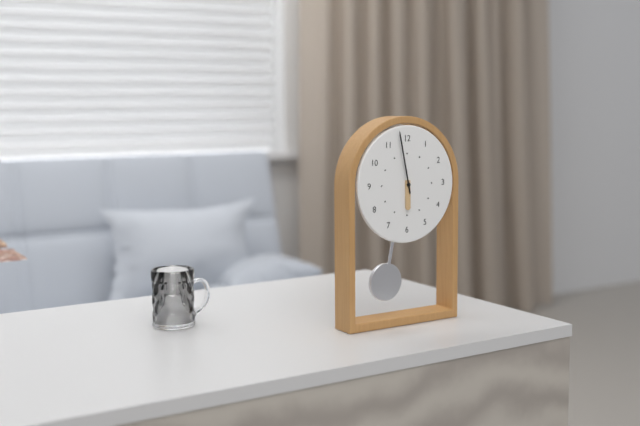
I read 5,58
